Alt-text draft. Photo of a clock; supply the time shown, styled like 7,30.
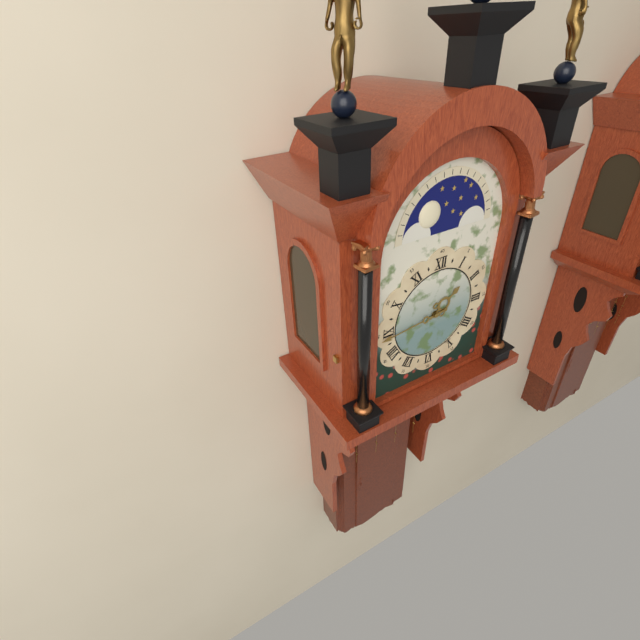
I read 1,44
